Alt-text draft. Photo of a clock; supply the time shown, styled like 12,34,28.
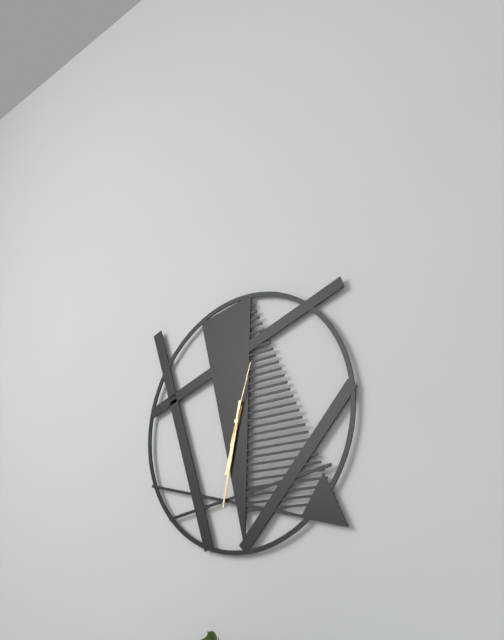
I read 6,32,03
